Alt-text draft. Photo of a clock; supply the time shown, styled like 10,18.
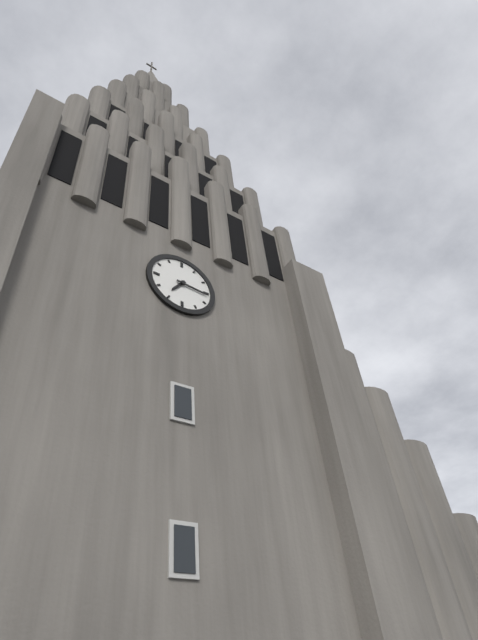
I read 7,16
